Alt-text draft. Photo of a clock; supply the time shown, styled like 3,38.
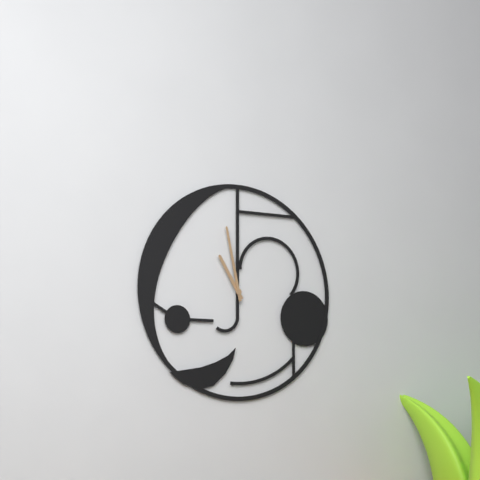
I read 10,58
